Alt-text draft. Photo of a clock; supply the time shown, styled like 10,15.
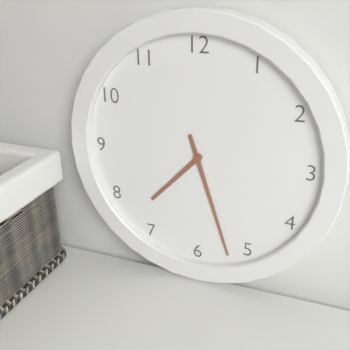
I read 7,27
